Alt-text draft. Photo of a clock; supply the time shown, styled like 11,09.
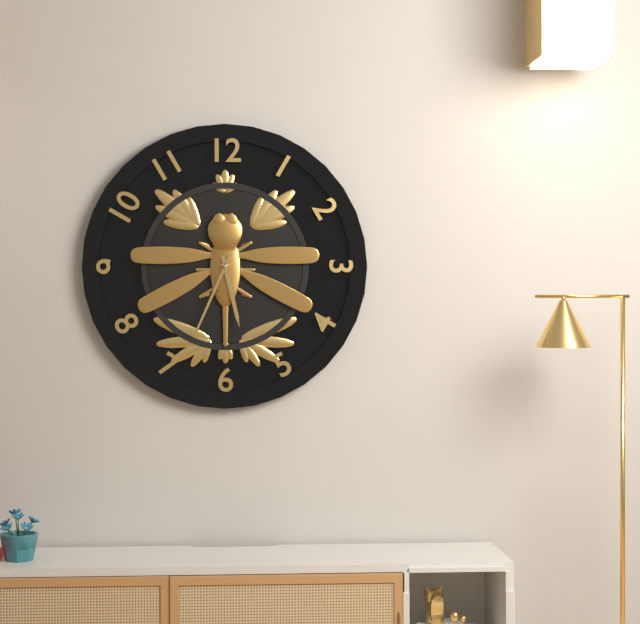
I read 5,34
